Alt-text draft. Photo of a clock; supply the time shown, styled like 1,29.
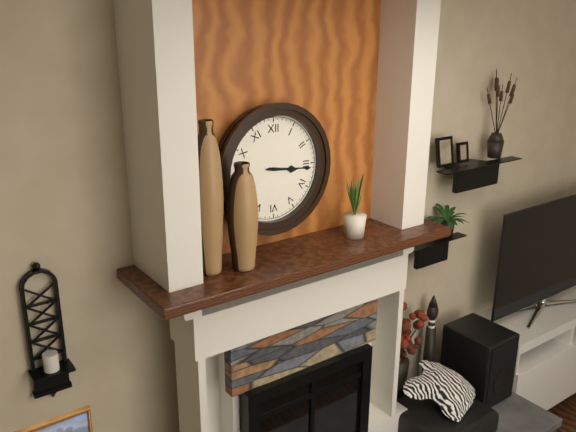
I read 3,16
